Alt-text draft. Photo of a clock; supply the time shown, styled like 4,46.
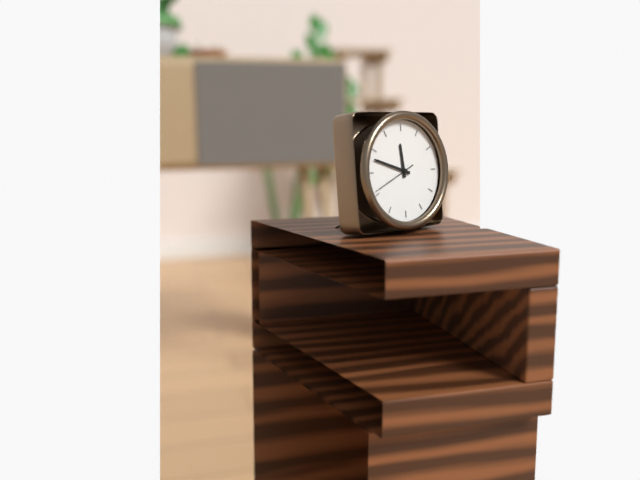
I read 11,48
